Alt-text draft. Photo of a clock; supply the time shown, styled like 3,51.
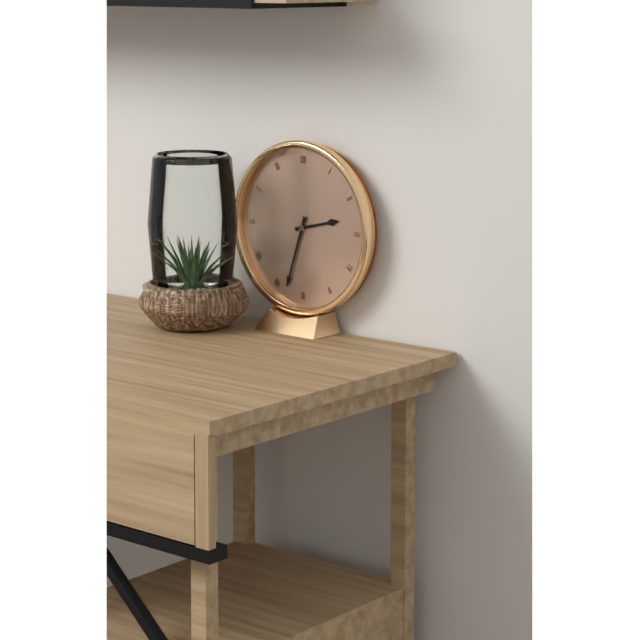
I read 2,33
